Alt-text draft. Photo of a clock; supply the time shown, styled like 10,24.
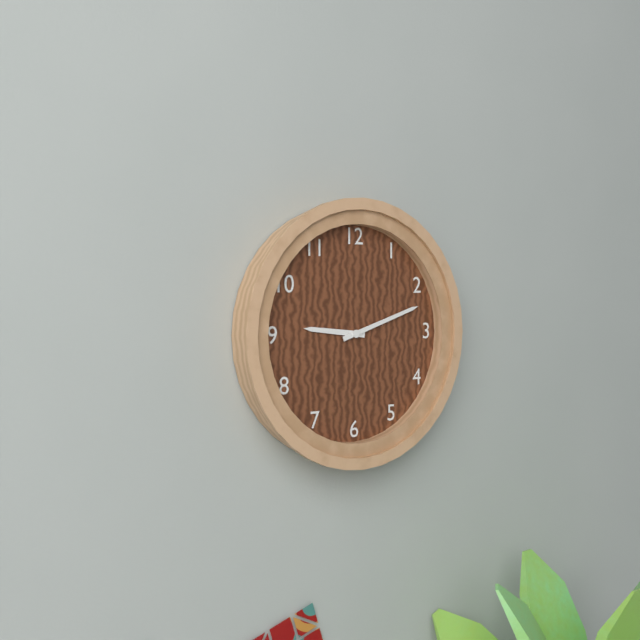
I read 9,12
